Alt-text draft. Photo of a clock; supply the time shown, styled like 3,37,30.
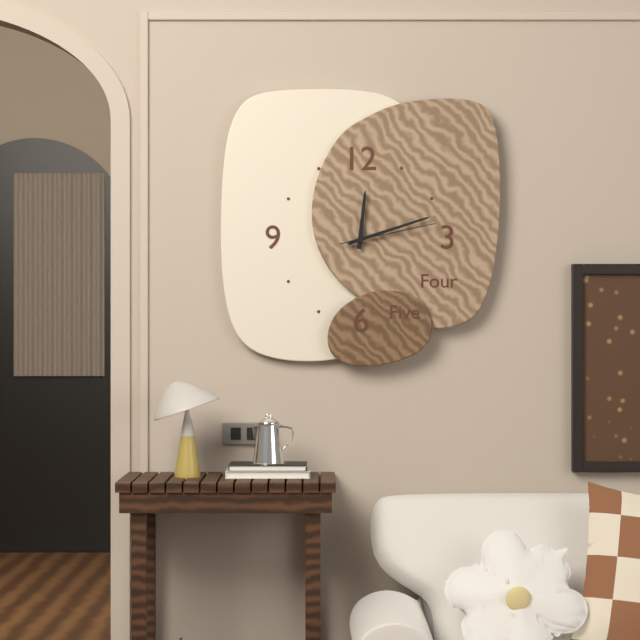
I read 12,12,13
